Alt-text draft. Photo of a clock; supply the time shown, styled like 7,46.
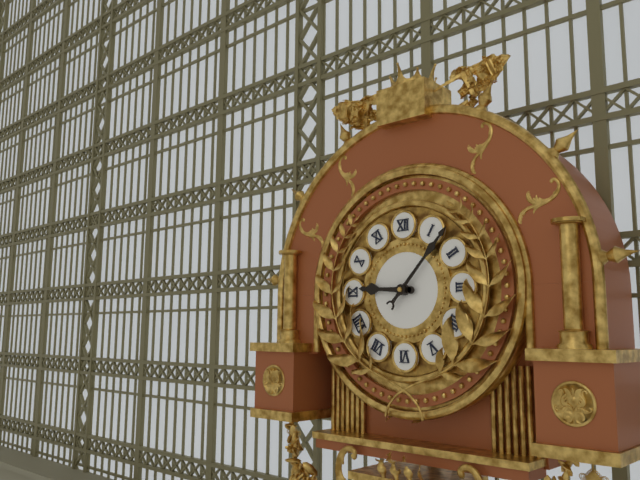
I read 9,07
